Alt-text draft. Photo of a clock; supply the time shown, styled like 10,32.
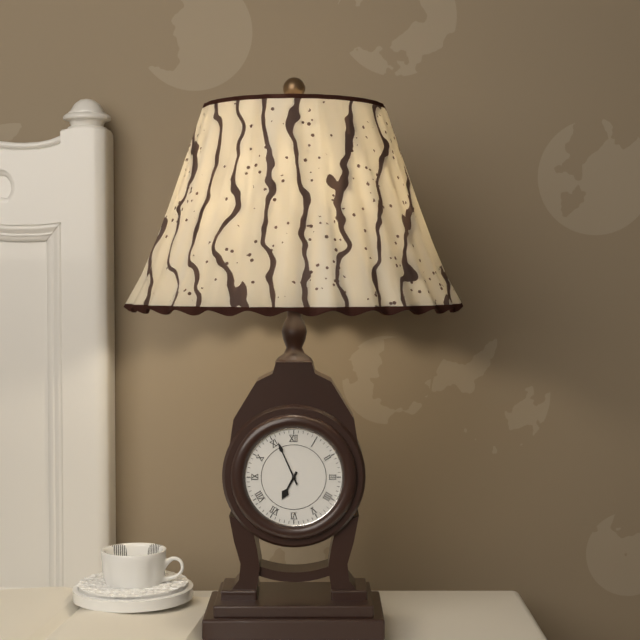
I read 6,56
